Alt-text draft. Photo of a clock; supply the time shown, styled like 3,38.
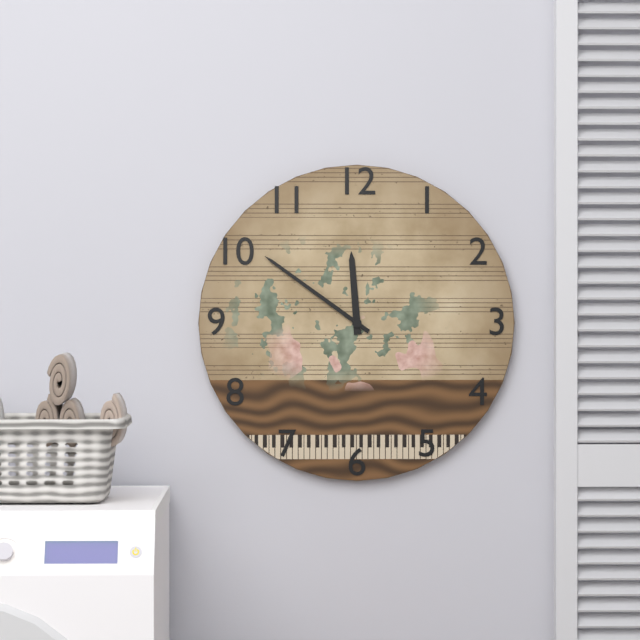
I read 11,51
